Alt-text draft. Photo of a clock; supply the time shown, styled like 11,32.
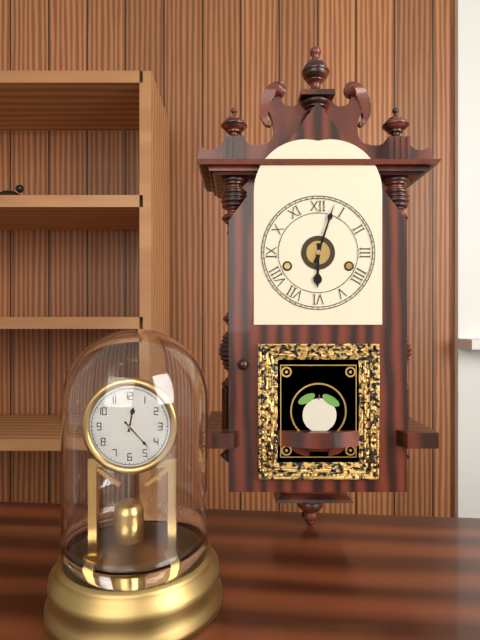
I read 6,03
